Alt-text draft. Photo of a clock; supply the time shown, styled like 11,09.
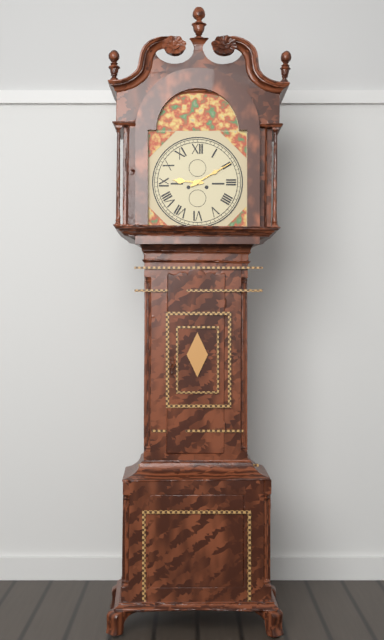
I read 9,10
